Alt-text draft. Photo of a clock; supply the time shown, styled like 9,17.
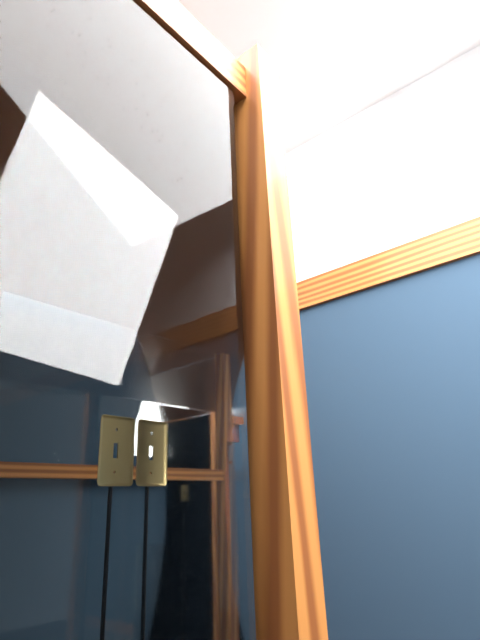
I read 8,44
